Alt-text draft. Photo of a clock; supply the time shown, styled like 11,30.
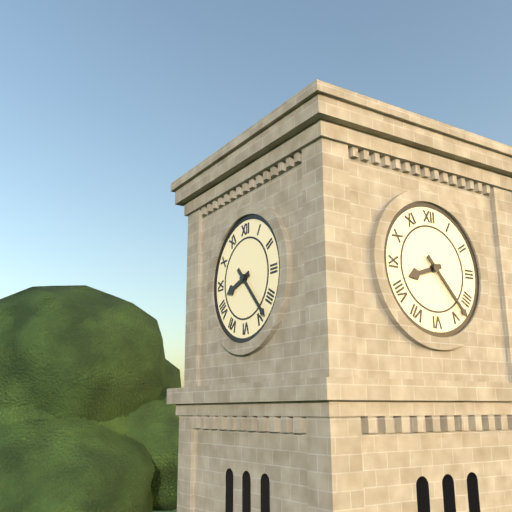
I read 8,23
